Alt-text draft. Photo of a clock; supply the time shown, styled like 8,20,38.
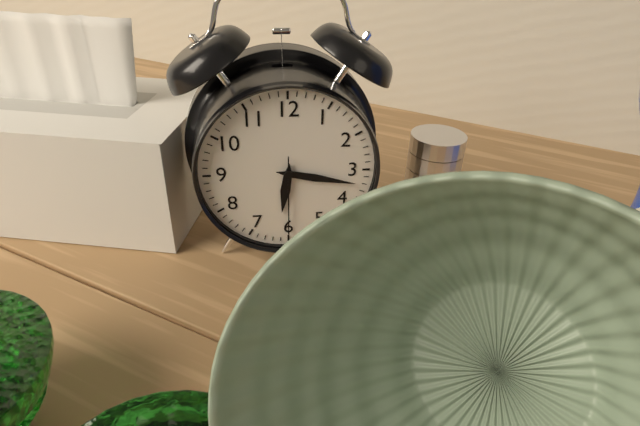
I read 6,17,30
